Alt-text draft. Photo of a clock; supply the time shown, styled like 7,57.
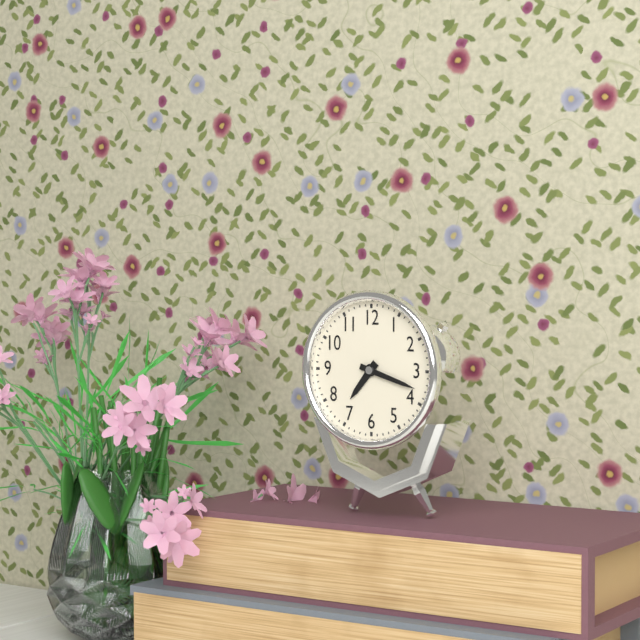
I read 7,18
